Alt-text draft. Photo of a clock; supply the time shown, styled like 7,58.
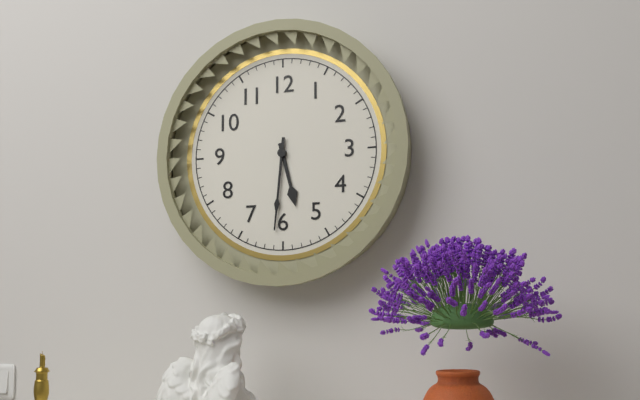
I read 5,31
